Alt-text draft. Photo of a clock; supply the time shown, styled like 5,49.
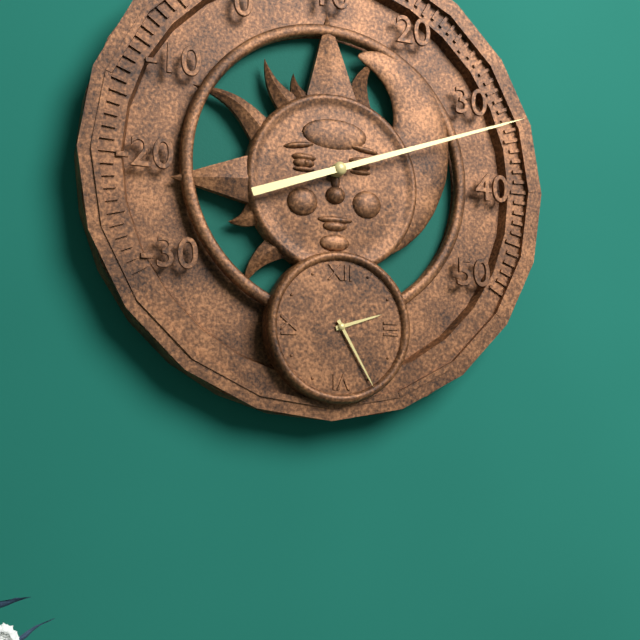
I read 2,25
